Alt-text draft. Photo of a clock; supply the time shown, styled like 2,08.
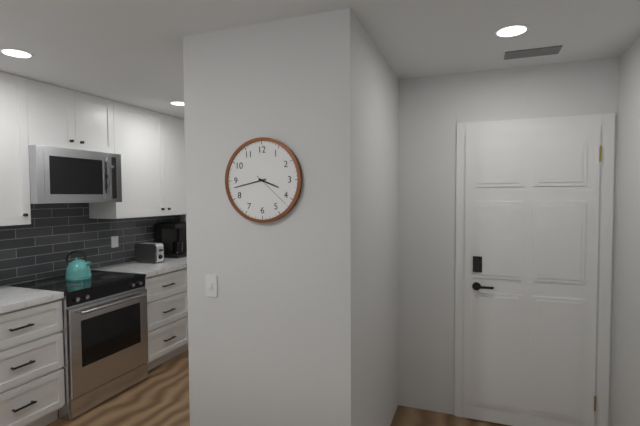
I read 3,43
